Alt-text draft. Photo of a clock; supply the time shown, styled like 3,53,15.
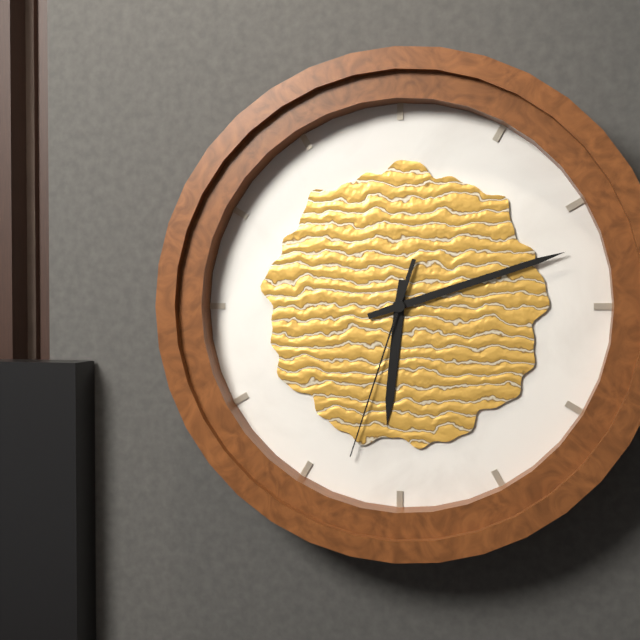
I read 6,12,33
